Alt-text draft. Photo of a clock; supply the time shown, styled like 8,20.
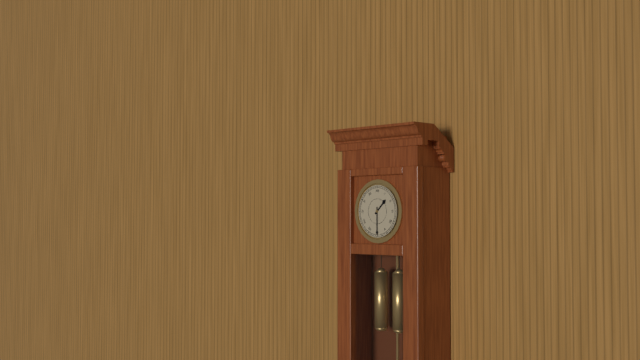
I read 1,30
